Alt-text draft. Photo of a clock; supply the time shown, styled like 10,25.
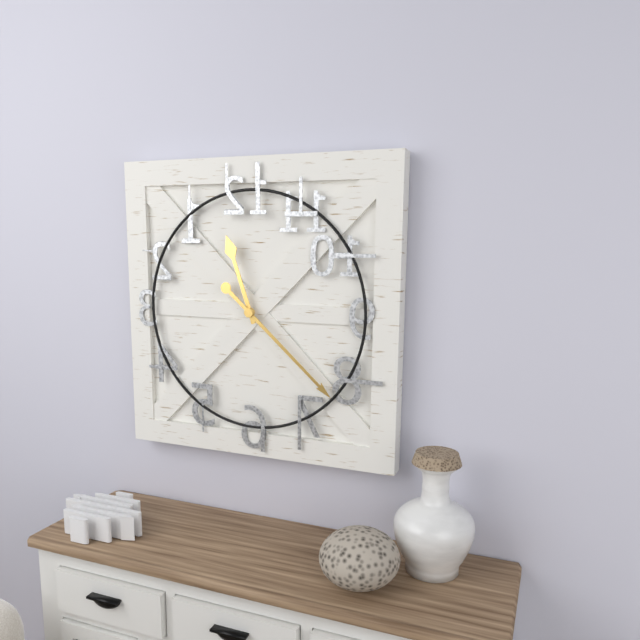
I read 11,22
